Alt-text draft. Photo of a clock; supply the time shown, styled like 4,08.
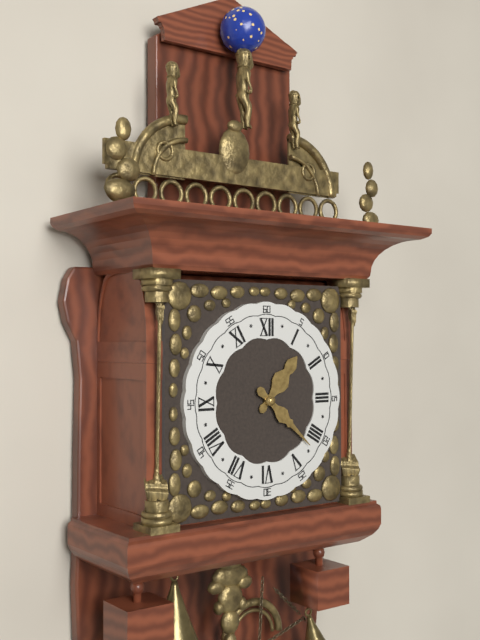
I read 1,22
